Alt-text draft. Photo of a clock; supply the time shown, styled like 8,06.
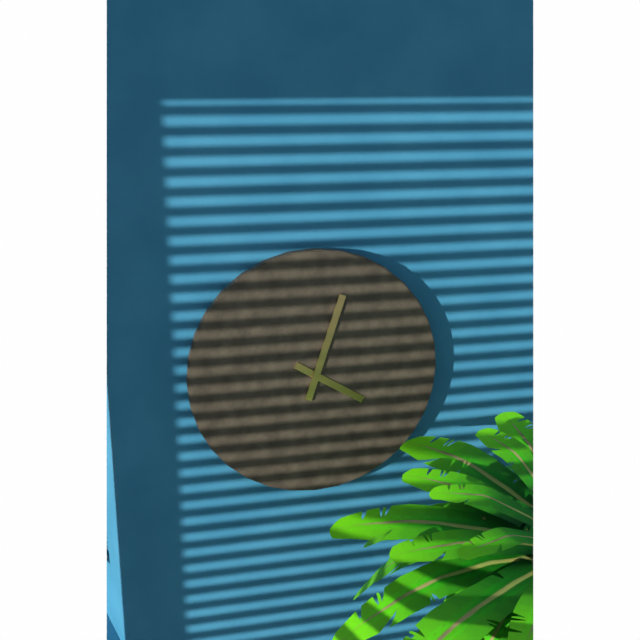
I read 4,03
